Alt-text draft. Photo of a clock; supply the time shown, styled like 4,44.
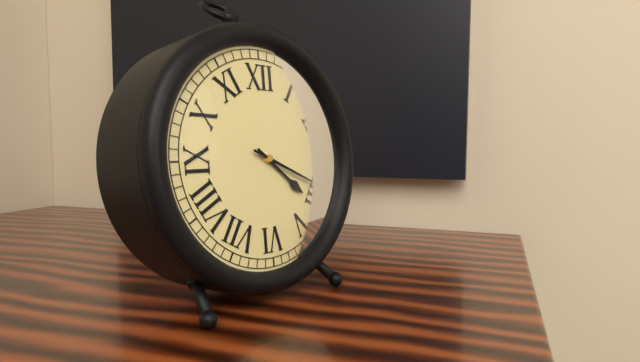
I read 4,19
